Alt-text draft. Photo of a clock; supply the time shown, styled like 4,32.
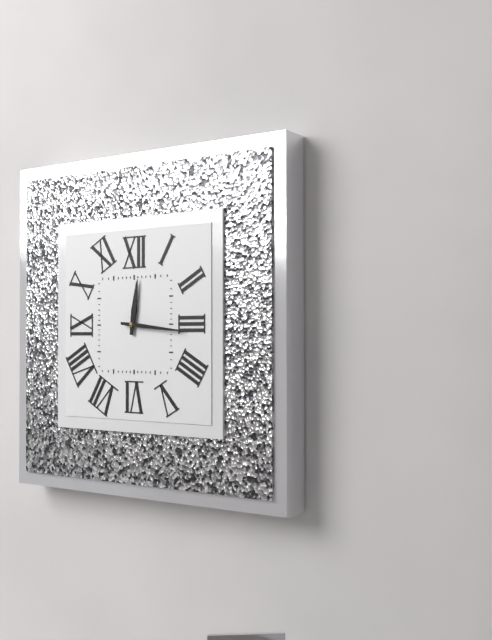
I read 12,16
